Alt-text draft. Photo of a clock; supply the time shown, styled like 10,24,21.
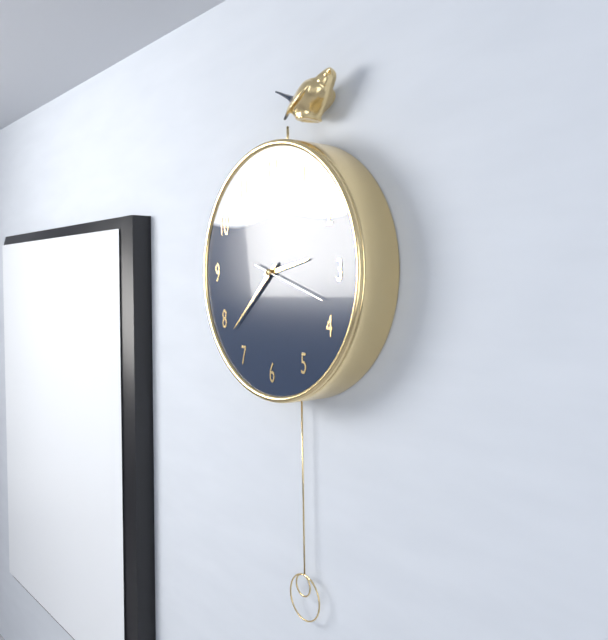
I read 2,38,18
